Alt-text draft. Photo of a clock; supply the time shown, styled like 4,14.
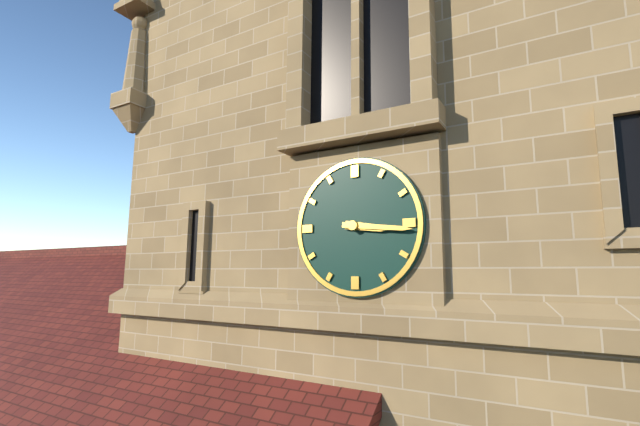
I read 3,16
